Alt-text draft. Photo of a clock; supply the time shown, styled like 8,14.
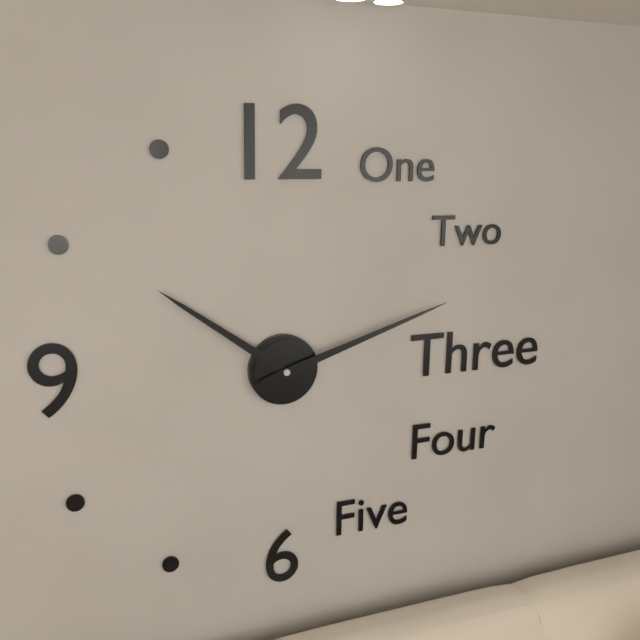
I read 10,12
